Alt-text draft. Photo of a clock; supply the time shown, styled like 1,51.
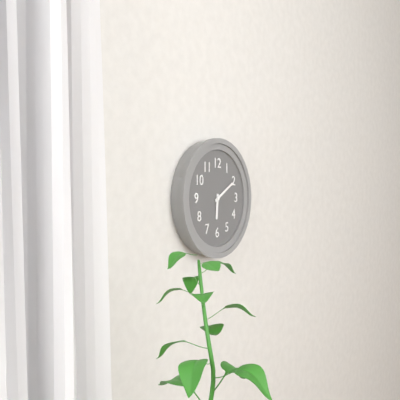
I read 6,10
